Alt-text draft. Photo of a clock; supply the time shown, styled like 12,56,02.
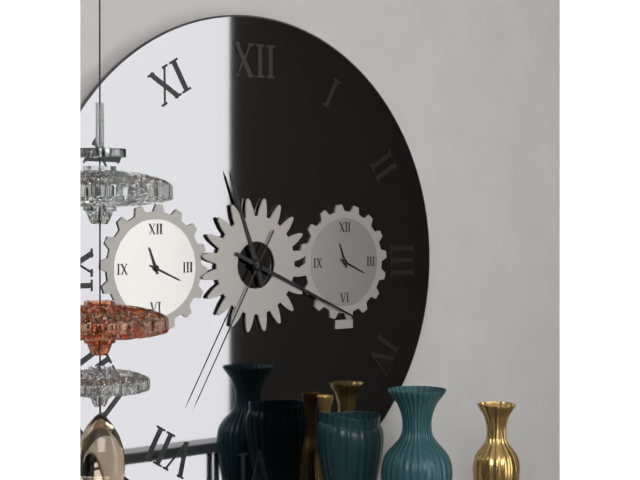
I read 11,19,35
